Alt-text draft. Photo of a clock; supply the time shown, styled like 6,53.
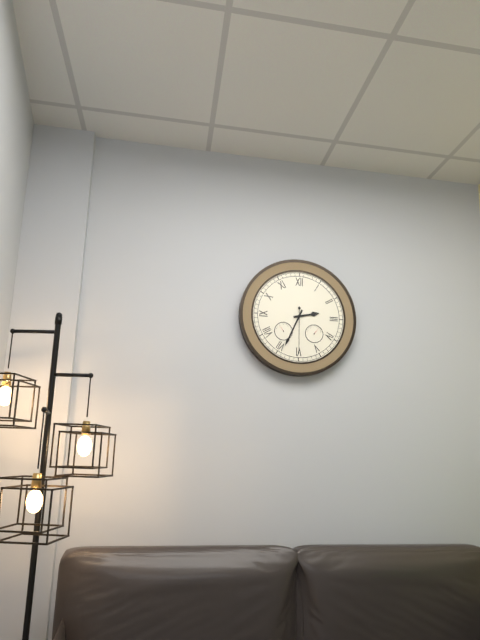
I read 2,34
